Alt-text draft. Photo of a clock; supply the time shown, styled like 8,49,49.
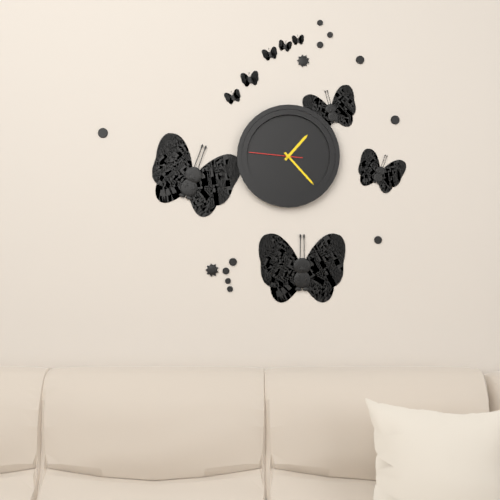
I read 1,23,46
